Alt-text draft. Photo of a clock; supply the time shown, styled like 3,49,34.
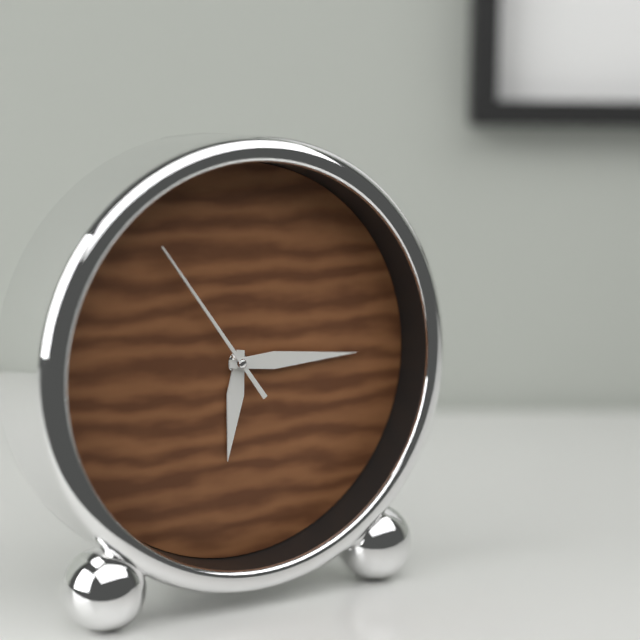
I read 6,15,54
